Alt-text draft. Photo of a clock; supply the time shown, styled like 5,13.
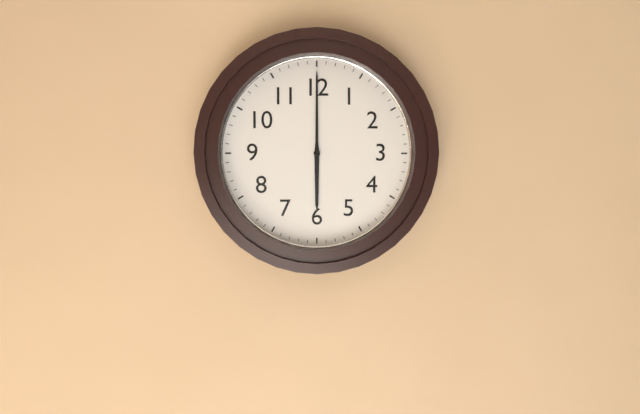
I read 6,00
